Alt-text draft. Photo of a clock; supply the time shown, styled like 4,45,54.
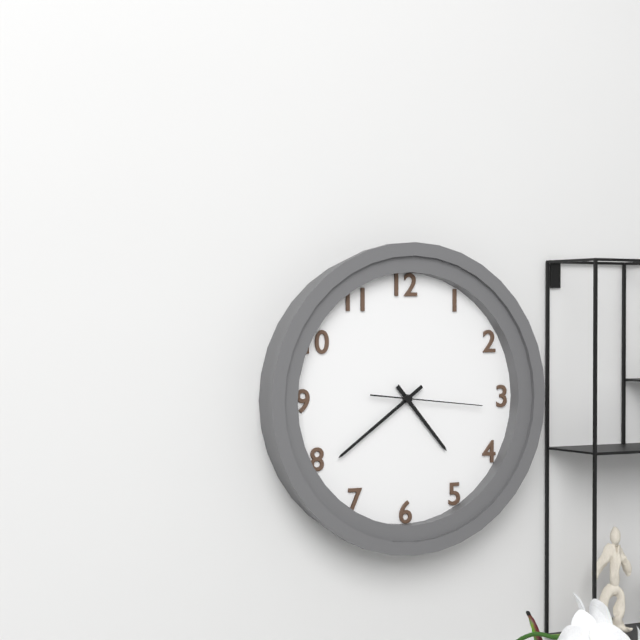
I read 4,39,16
